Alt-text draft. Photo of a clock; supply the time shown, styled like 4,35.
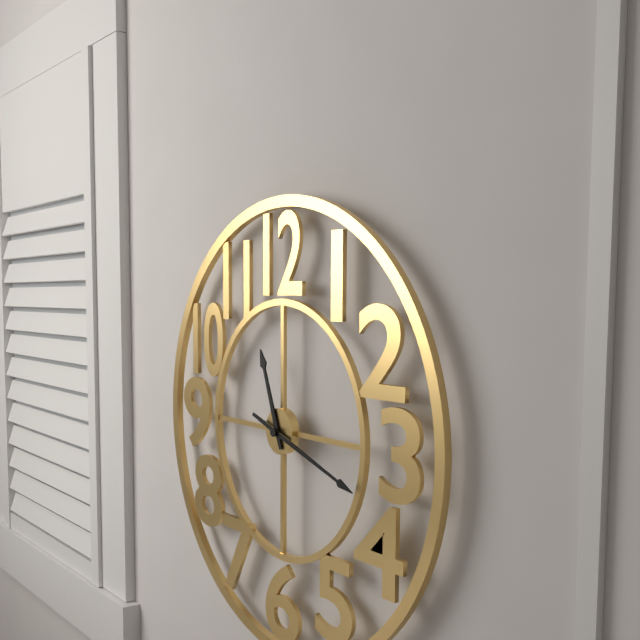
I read 11,18
